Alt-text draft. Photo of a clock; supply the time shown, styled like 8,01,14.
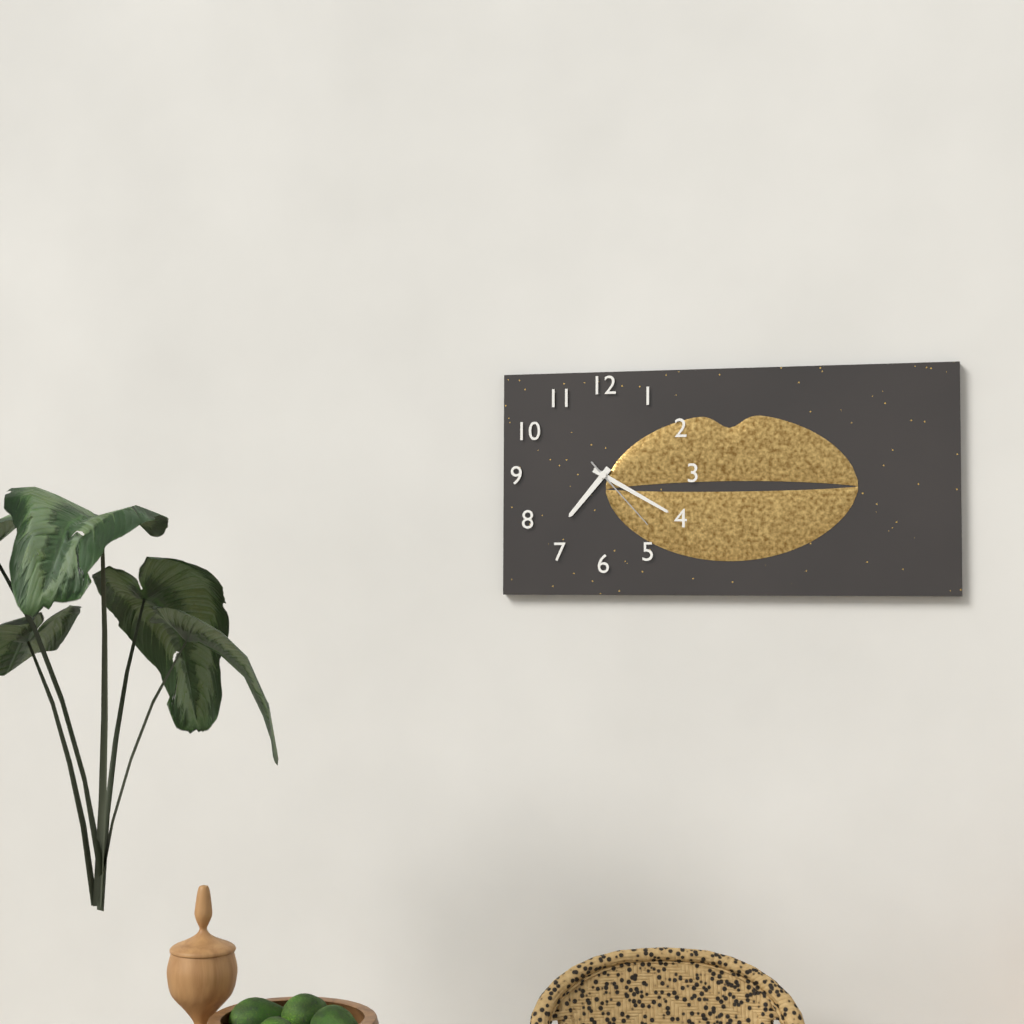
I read 7,20,23
